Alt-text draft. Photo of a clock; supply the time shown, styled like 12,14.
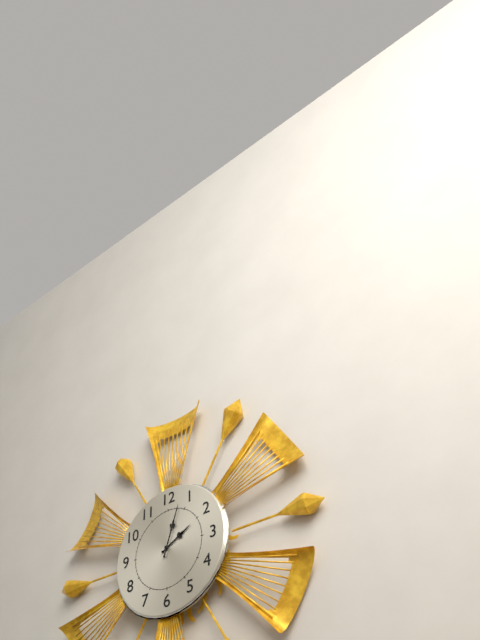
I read 2,03
